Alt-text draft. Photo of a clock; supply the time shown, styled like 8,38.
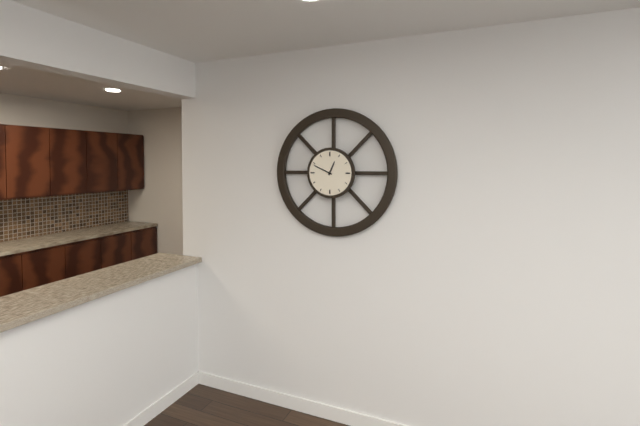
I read 12,49
